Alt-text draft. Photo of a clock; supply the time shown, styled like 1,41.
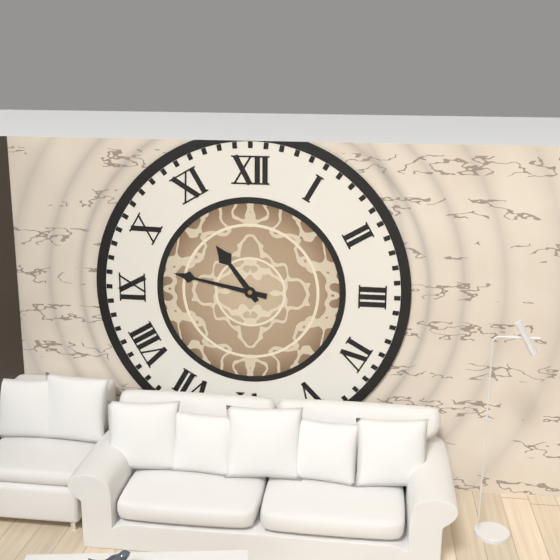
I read 10,47
